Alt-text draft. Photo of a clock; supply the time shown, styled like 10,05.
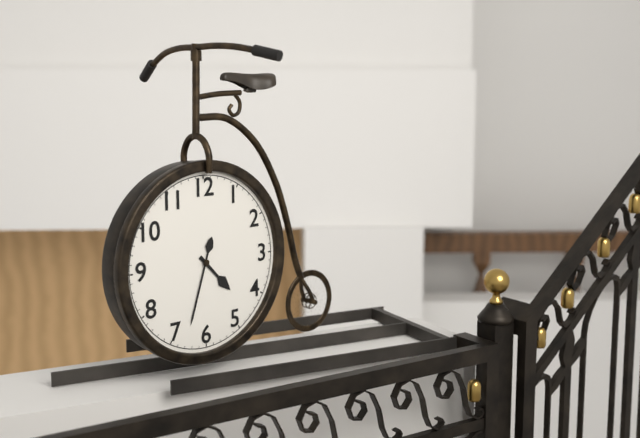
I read 4,33
